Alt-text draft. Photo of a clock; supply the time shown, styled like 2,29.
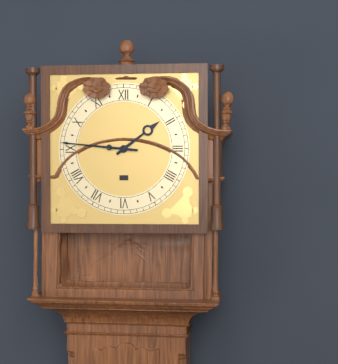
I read 1,46
